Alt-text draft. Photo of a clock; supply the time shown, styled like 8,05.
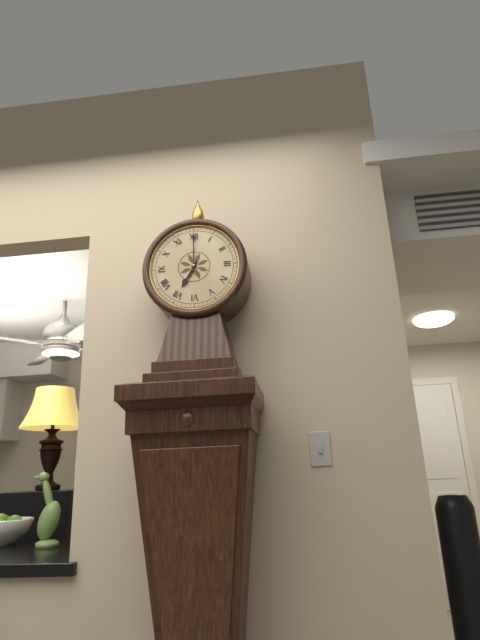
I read 7,00
